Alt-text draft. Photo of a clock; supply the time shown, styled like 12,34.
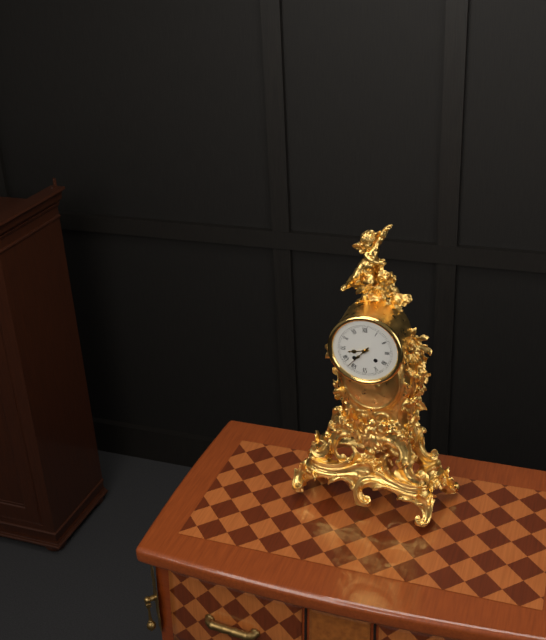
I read 8,37
